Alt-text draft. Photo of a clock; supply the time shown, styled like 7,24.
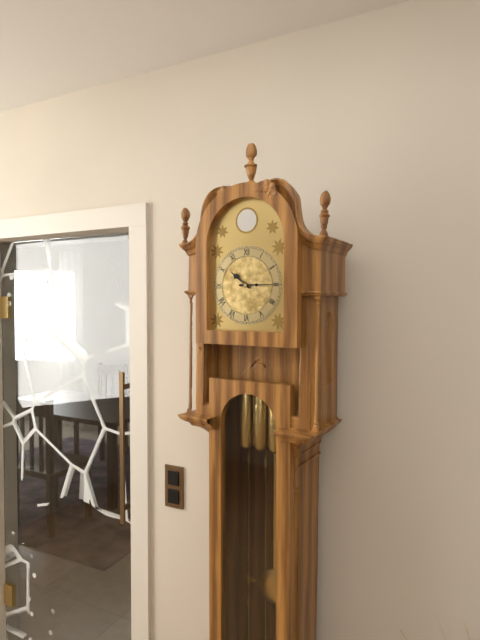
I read 10,15
